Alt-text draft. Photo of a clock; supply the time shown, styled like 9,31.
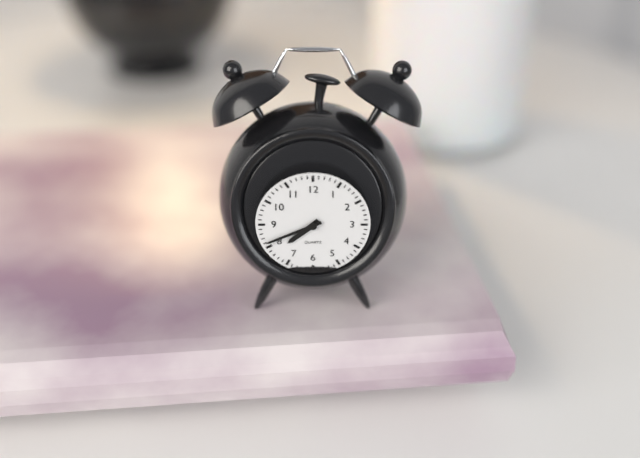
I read 7,41
